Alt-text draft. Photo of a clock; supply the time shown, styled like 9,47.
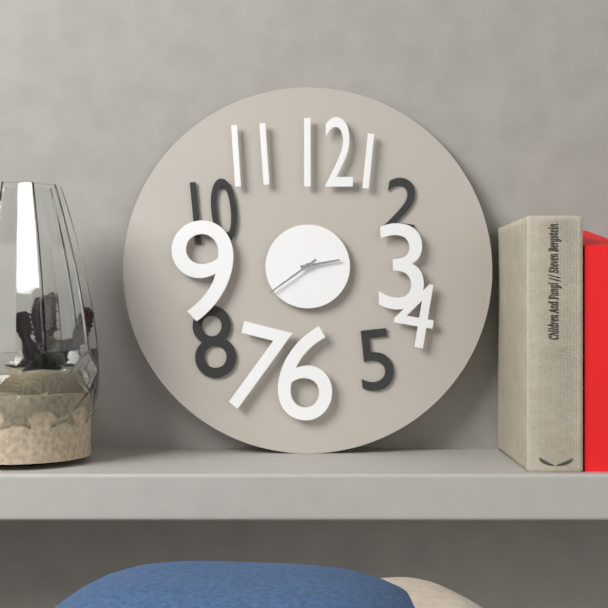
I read 2,39
